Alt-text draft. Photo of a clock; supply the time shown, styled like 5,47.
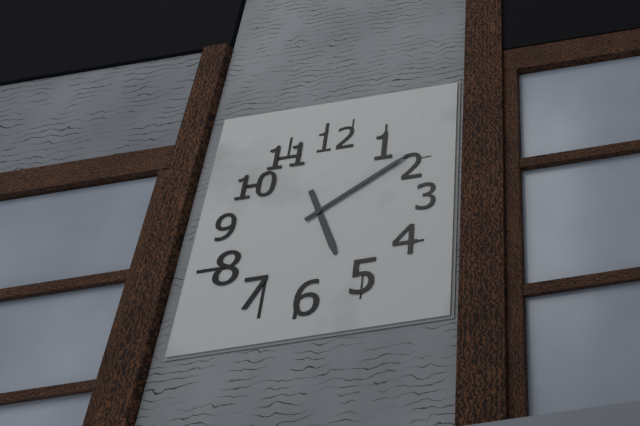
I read 5,10
